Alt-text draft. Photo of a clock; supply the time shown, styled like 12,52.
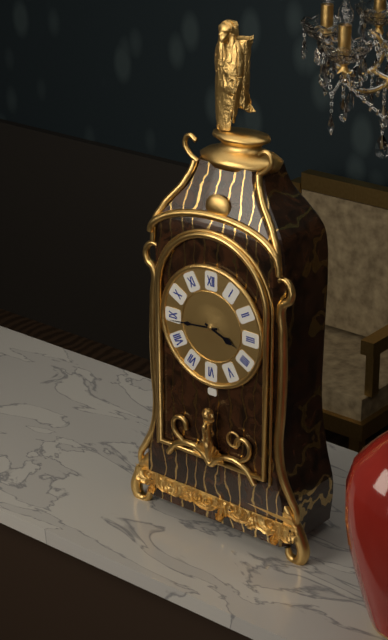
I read 3,44
